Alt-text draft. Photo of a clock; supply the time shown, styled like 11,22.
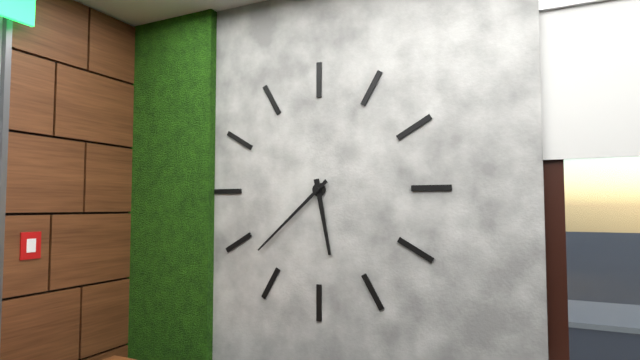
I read 5,38
